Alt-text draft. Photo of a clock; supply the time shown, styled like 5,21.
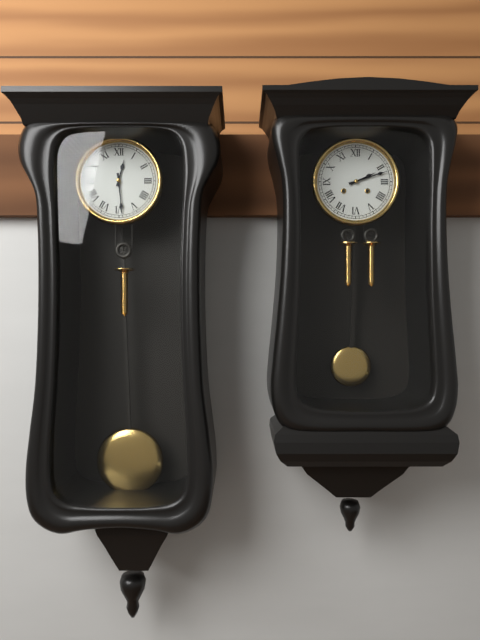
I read 12,29
